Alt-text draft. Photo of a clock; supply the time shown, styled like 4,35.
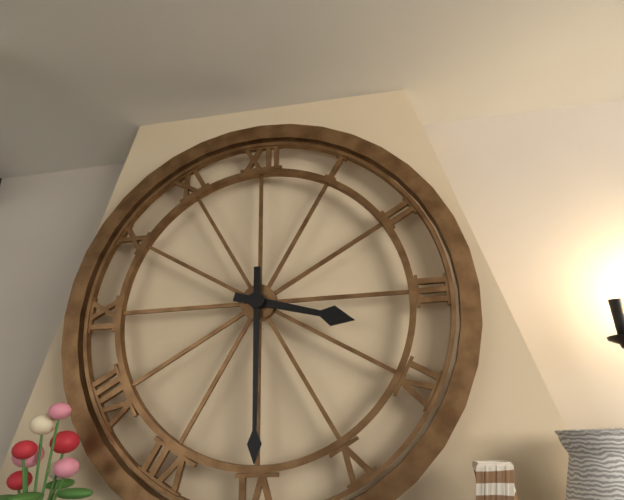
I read 3,30
